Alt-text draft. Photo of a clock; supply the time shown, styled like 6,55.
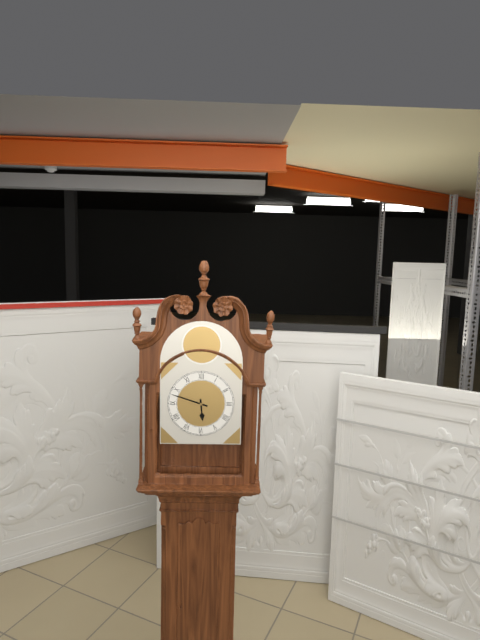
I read 5,48
